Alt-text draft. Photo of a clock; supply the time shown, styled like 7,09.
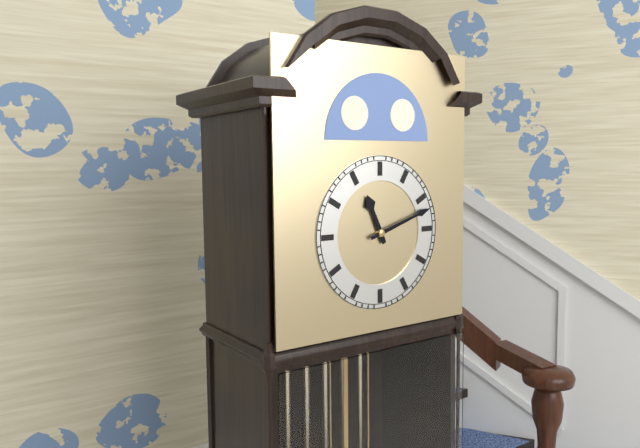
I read 11,12
